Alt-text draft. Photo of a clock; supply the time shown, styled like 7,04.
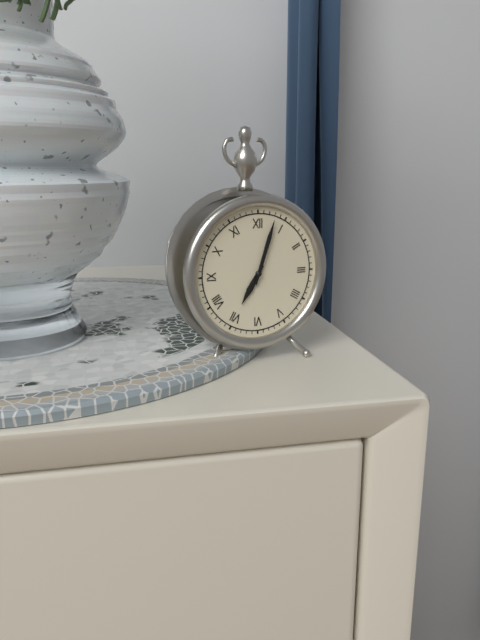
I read 7,03
